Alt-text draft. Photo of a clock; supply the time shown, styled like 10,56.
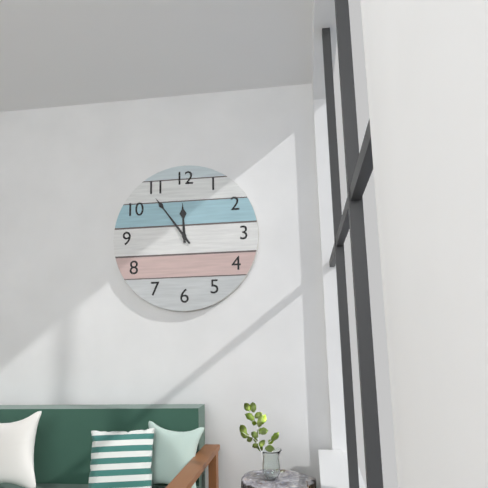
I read 11,54
